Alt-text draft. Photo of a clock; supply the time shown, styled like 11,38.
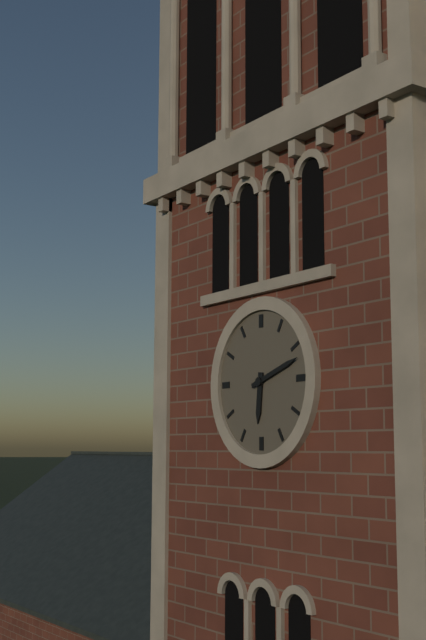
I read 6,12
